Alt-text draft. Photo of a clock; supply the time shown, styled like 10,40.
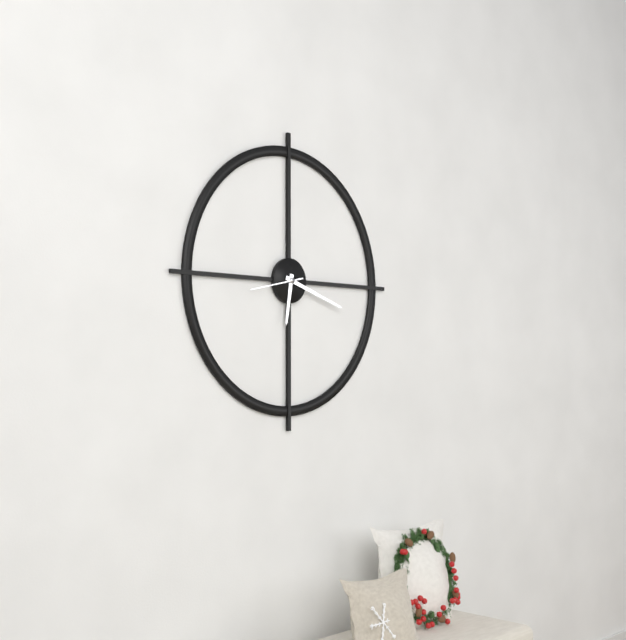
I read 6,18
